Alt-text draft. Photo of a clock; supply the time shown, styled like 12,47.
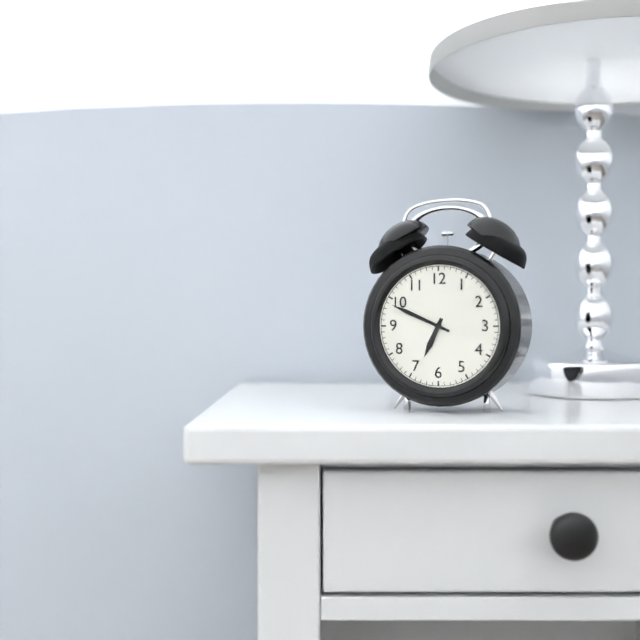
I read 6,49
